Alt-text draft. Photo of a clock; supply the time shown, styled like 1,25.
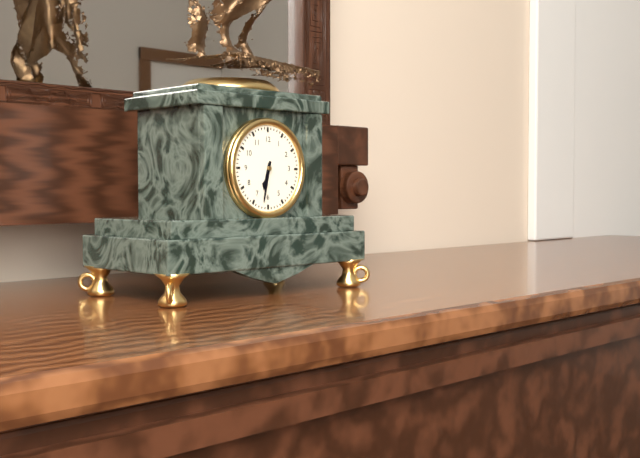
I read 6,32
